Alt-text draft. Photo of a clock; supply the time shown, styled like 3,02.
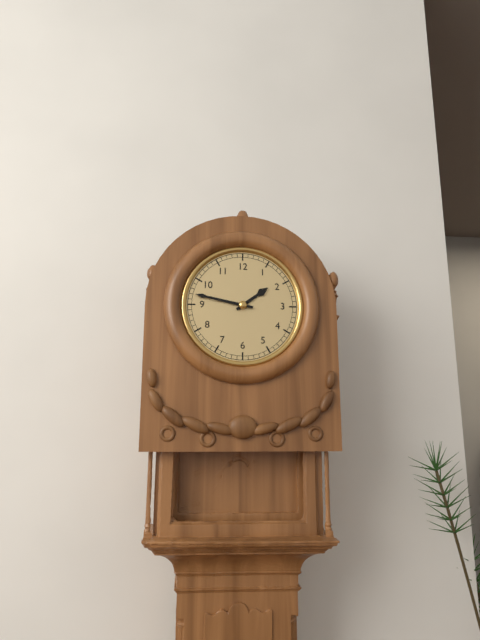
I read 1,47
